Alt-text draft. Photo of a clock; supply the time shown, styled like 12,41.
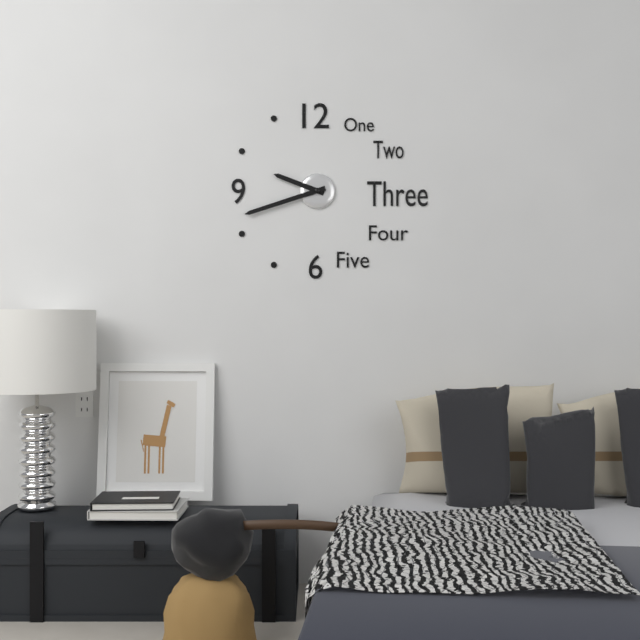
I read 9,42
